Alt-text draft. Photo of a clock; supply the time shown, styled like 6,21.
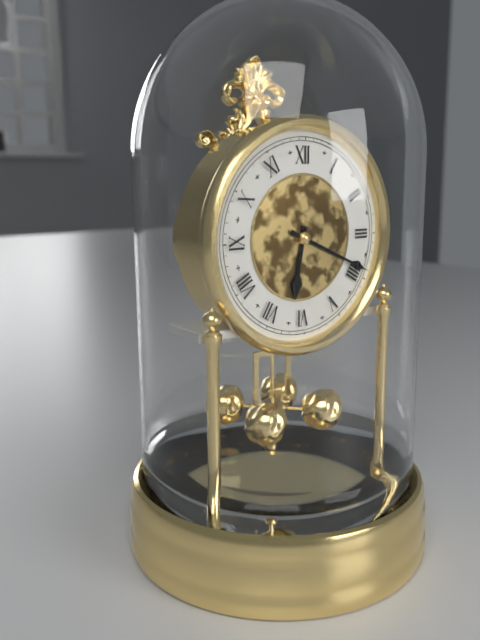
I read 6,19
